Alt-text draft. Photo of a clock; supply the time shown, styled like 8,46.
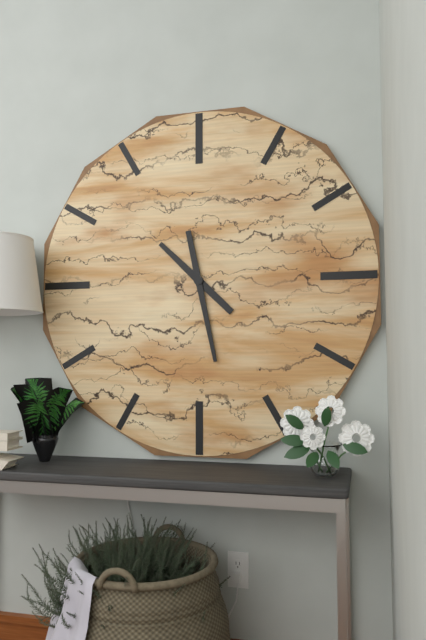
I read 10,28
